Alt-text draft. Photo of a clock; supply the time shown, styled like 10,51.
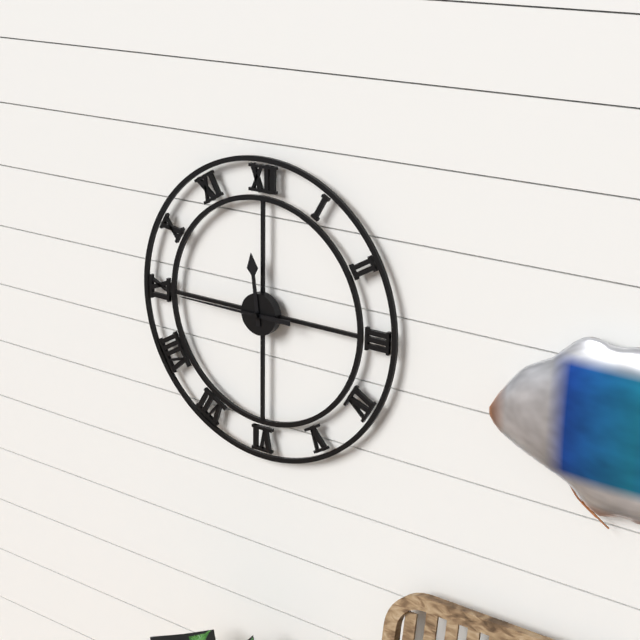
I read 11,45
